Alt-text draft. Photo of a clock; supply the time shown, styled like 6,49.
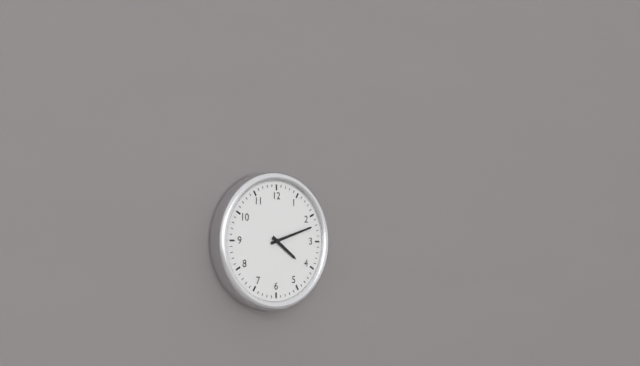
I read 4,12
